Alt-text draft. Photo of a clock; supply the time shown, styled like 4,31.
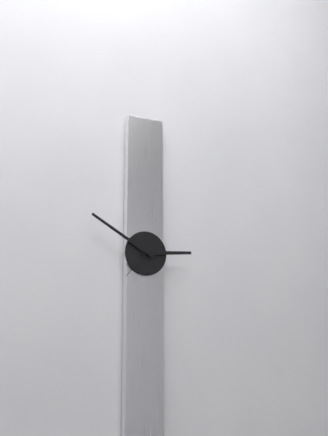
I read 2,50
